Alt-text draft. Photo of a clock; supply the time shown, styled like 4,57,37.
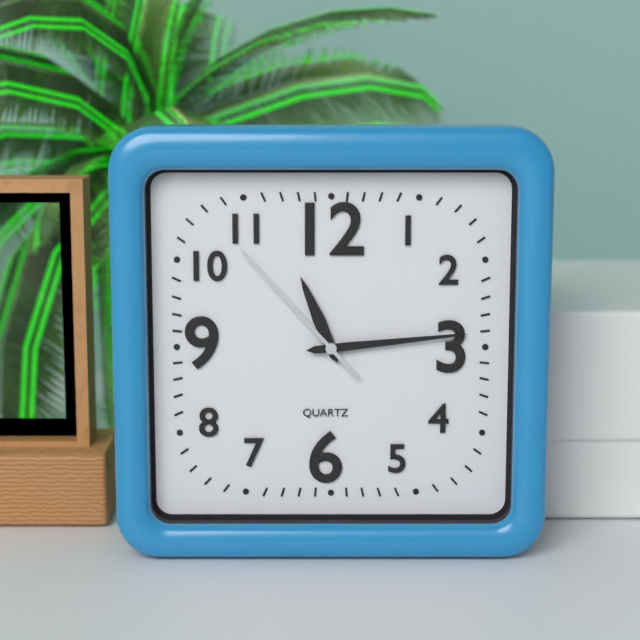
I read 11,14,53
